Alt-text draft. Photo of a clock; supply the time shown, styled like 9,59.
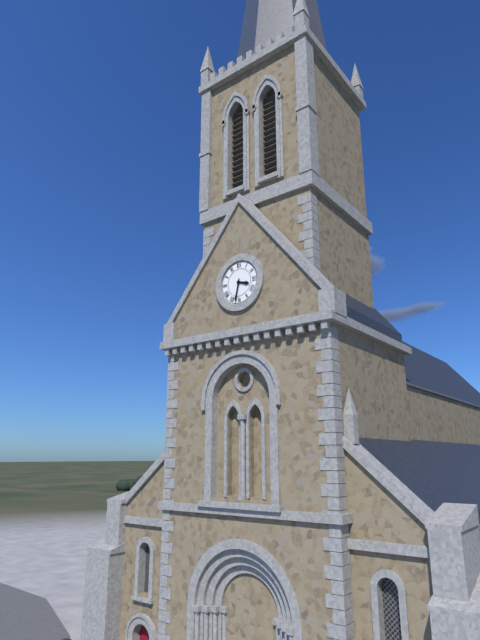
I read 3,32
